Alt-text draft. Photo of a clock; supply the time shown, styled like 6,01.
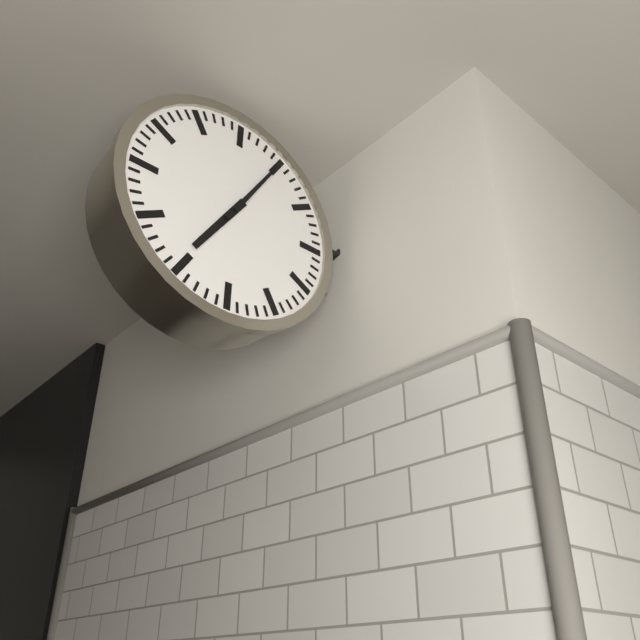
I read 7,05
